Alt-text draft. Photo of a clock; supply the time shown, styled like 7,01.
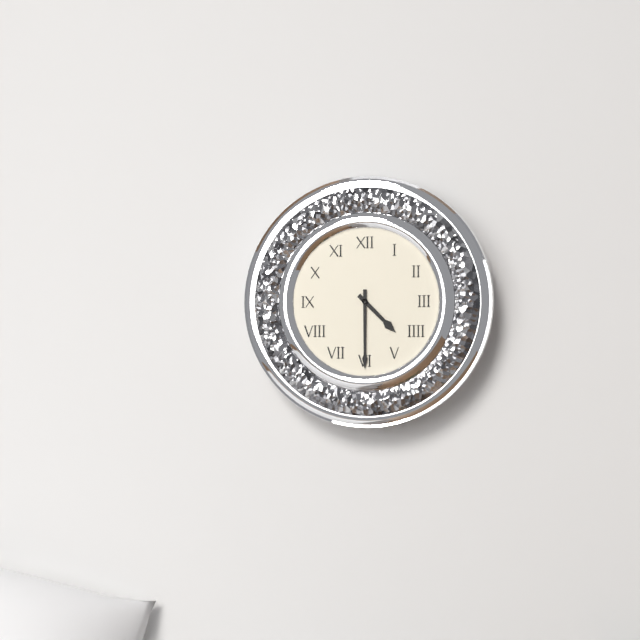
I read 4,30
